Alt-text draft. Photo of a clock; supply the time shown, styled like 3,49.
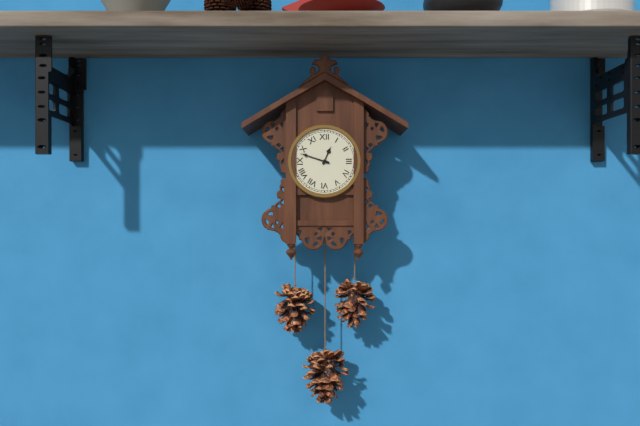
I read 12,48
